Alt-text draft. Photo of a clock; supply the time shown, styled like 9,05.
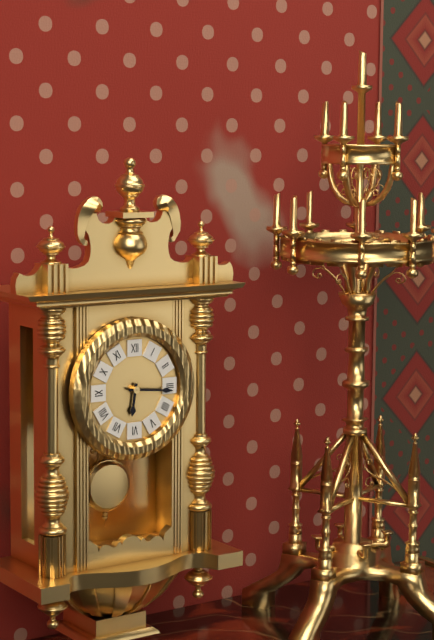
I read 6,16
